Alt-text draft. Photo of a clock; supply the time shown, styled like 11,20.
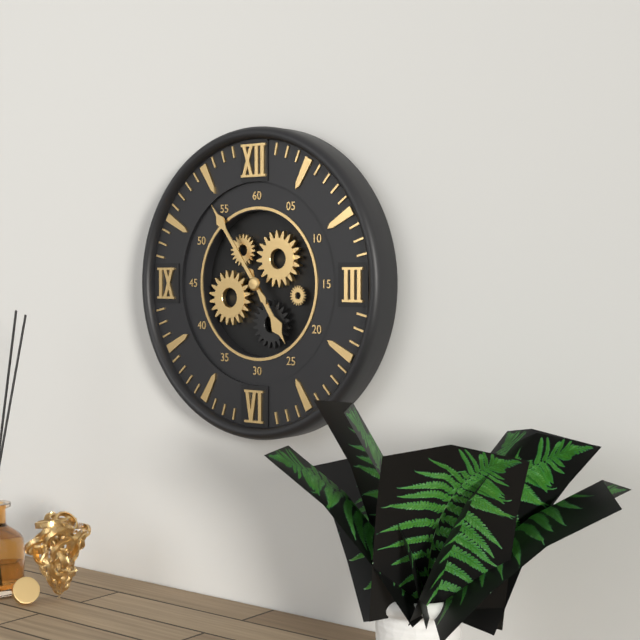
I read 4,54
